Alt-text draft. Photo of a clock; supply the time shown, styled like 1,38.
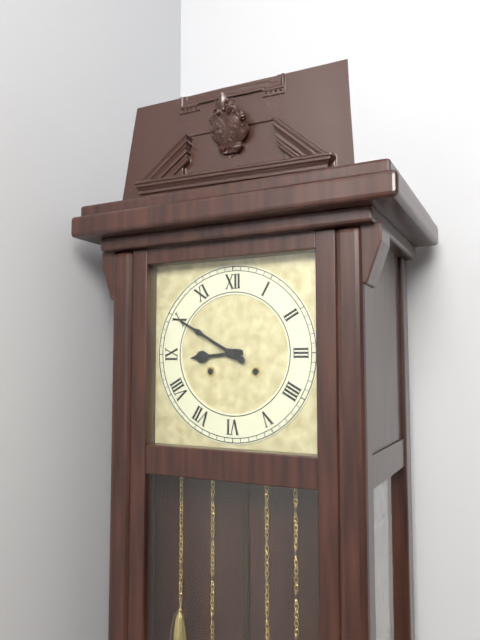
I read 8,50
